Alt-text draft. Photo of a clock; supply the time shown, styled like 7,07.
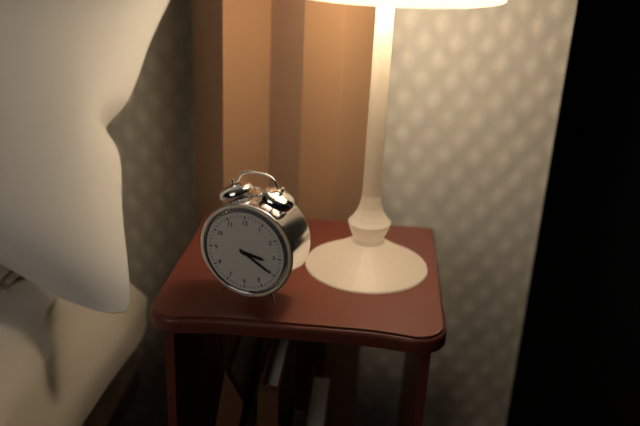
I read 3,20
